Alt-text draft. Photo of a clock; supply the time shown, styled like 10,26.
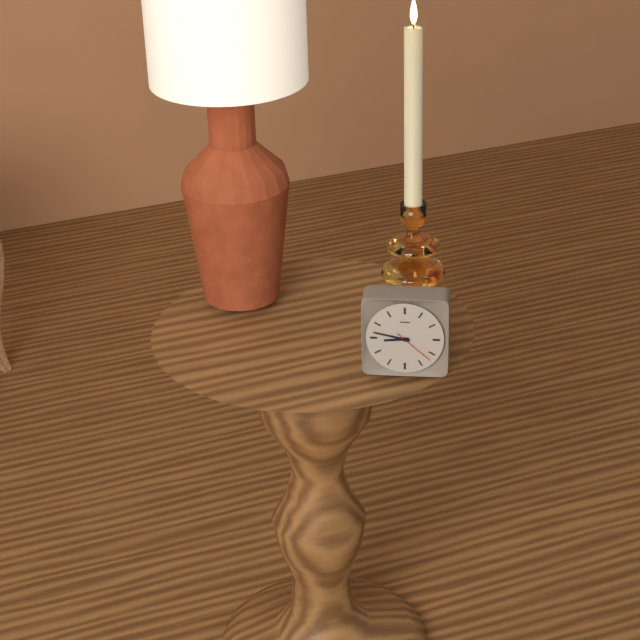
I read 8,47
